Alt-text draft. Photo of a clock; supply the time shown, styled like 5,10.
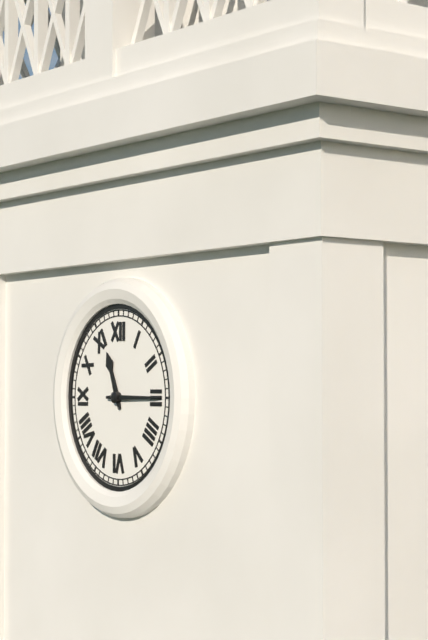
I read 11,15
